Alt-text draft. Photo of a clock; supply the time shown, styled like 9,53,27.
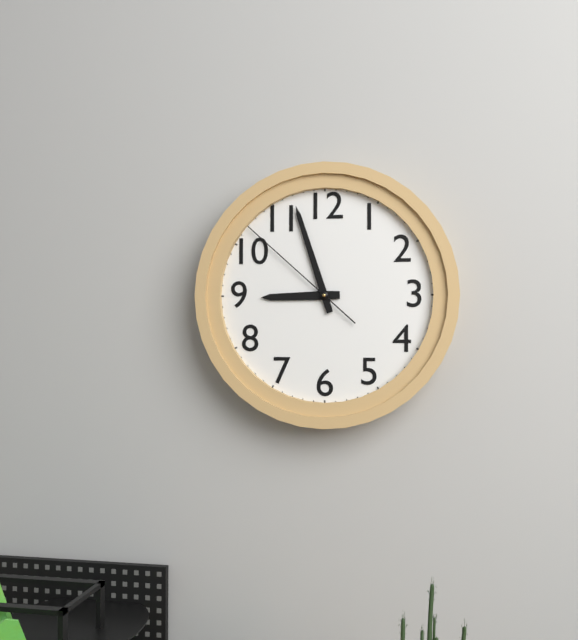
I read 8,57,52
